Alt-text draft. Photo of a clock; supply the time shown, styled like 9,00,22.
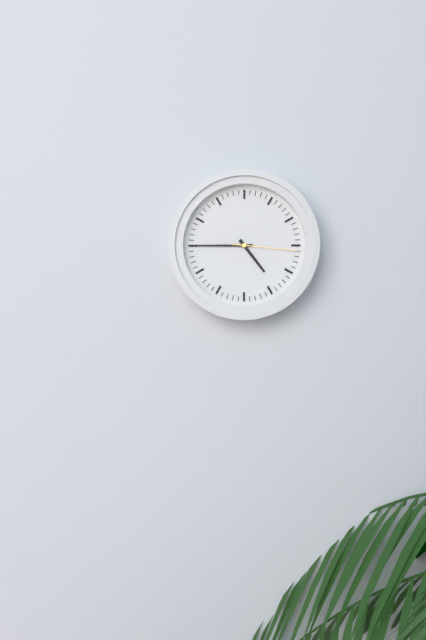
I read 4,45,16
